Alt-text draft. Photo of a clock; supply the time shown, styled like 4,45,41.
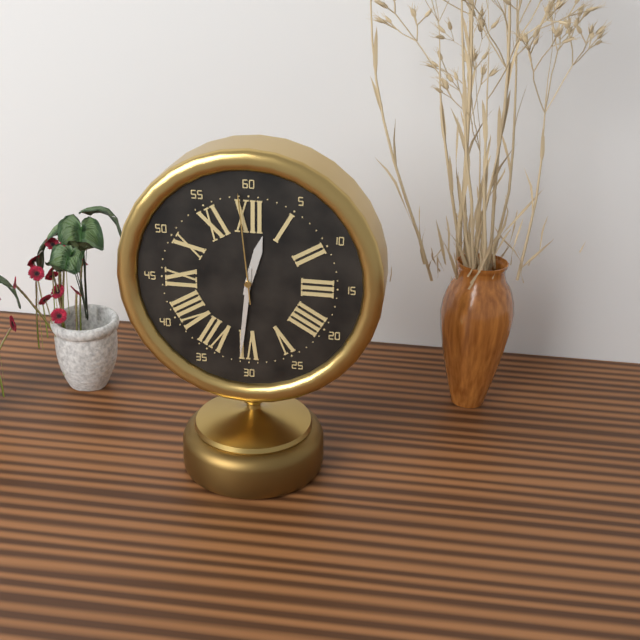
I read 12,31,59
